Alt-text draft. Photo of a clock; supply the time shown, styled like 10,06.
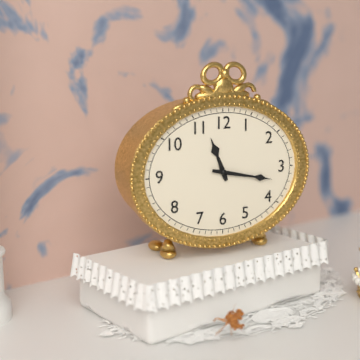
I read 11,17
